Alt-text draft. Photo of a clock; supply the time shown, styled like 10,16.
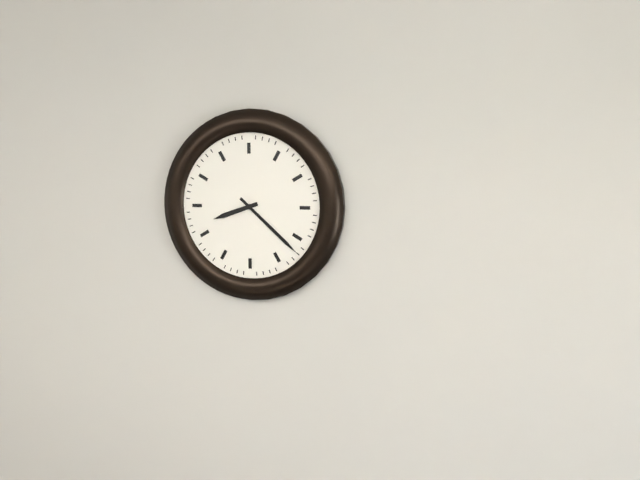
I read 8,22
